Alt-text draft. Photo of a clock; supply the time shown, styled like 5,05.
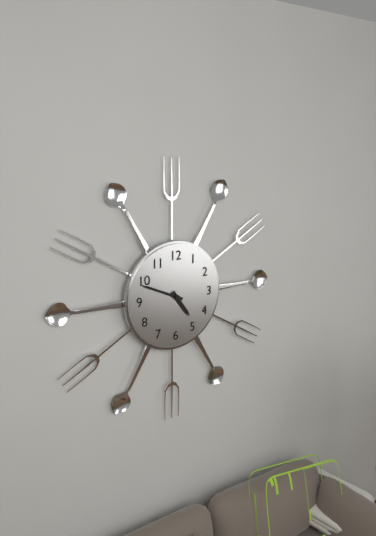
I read 4,49
